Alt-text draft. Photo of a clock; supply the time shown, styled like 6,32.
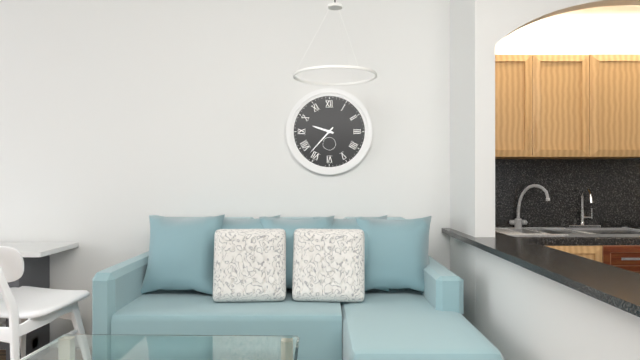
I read 9,37
